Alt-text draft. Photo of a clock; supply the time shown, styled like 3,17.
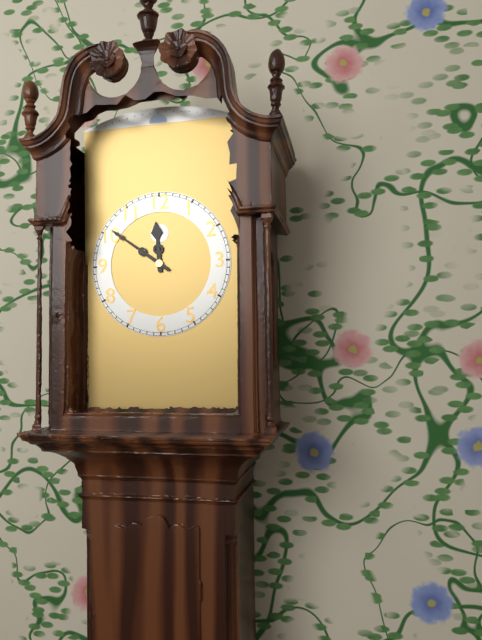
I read 11,51
